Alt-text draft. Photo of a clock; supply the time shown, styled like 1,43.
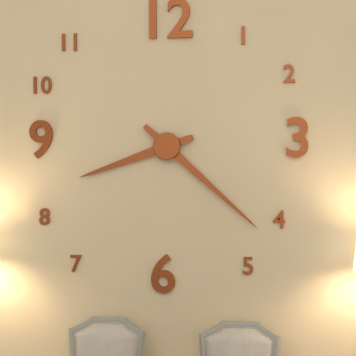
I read 8,22
